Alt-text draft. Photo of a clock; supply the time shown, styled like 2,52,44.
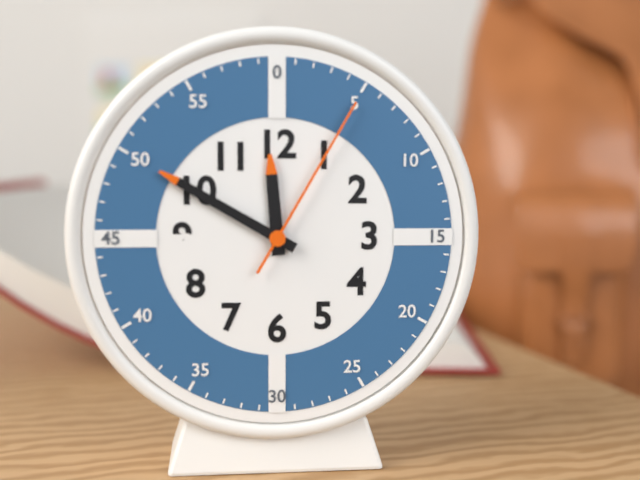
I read 11,50,05
